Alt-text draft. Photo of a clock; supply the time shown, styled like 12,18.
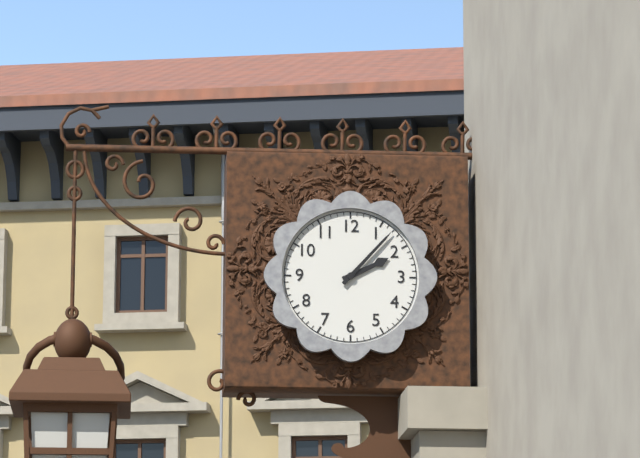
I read 2,07
